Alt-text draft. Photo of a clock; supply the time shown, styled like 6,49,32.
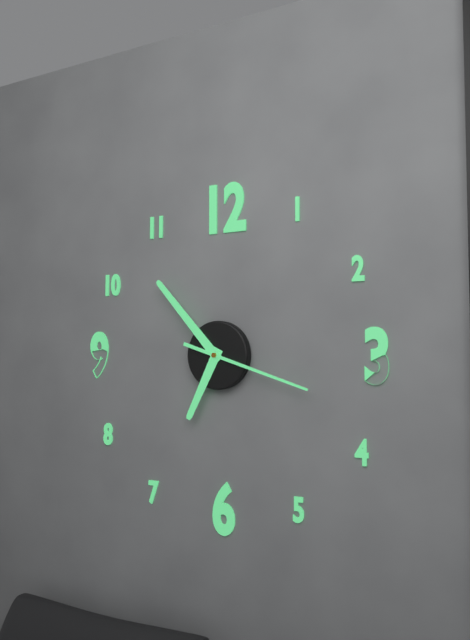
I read 6,53,18
